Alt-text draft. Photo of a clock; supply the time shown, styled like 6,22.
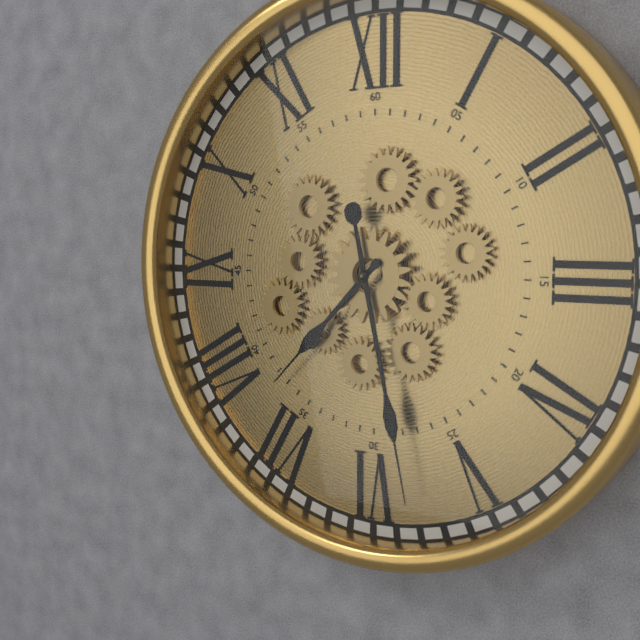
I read 7,28
